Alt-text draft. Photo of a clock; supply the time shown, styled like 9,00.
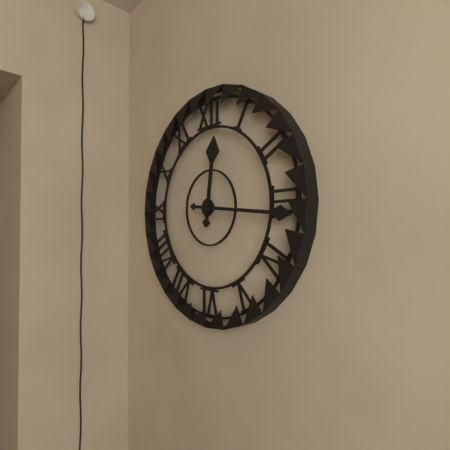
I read 12,16
